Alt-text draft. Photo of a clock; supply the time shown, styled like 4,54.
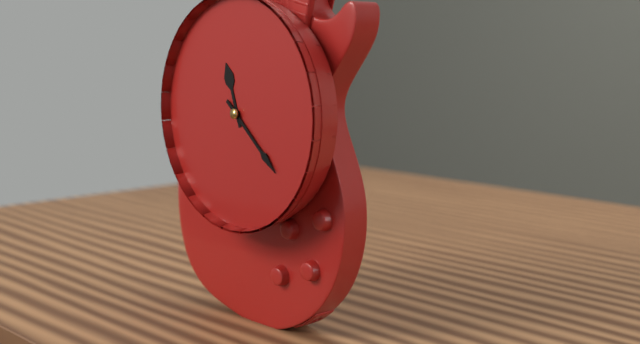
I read 11,22
